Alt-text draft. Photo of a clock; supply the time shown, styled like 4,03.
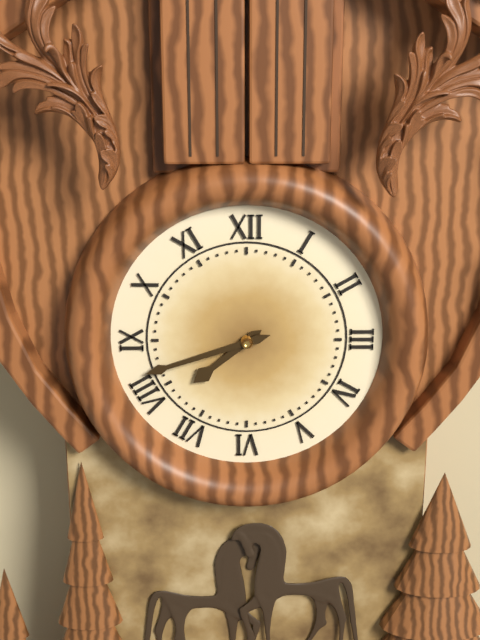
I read 7,42
